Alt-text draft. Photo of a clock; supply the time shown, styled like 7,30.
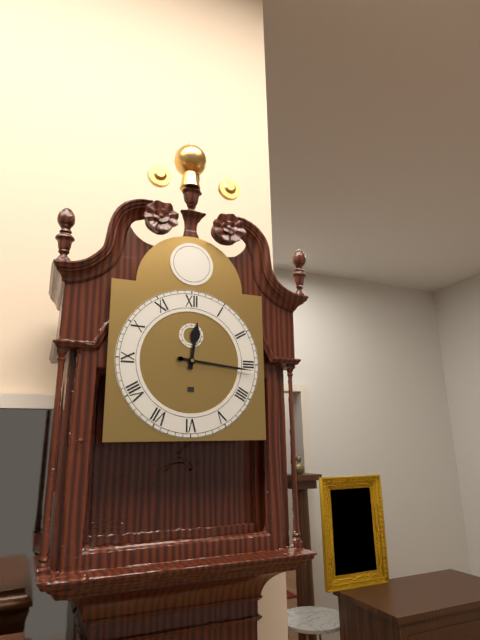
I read 12,16
